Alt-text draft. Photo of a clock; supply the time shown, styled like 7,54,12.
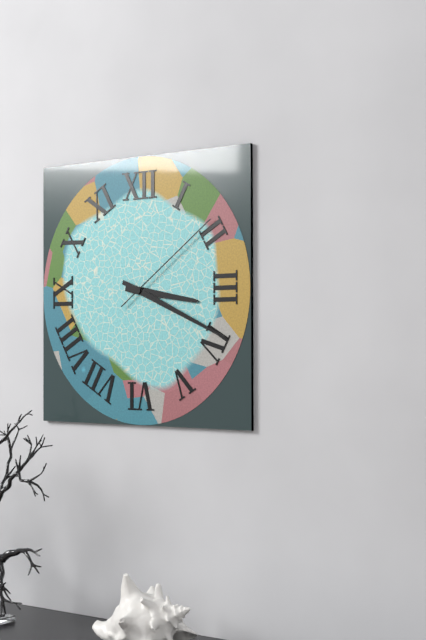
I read 3,19,09
